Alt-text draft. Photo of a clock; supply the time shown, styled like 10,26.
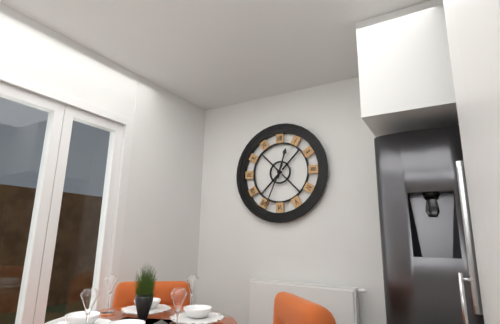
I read 12,34
